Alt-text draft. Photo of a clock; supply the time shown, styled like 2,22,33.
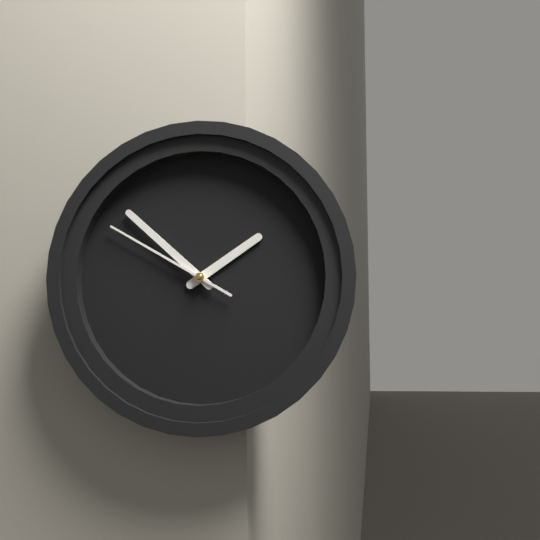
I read 1,52,50
